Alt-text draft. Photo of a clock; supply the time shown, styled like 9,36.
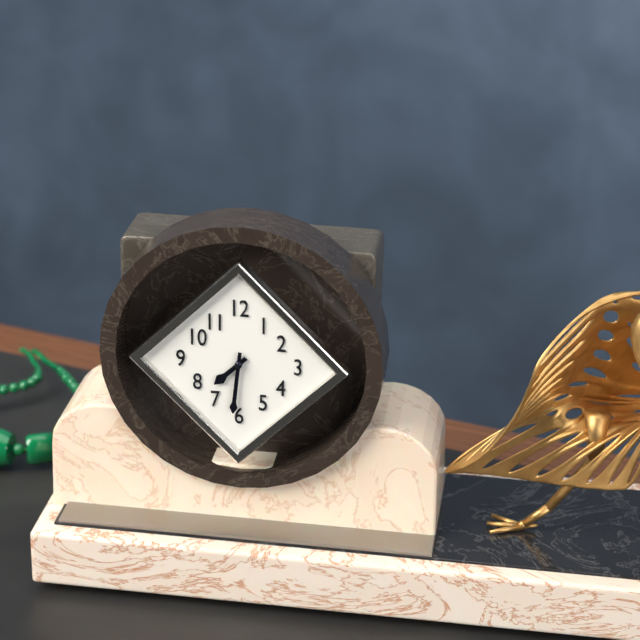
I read 7,31
